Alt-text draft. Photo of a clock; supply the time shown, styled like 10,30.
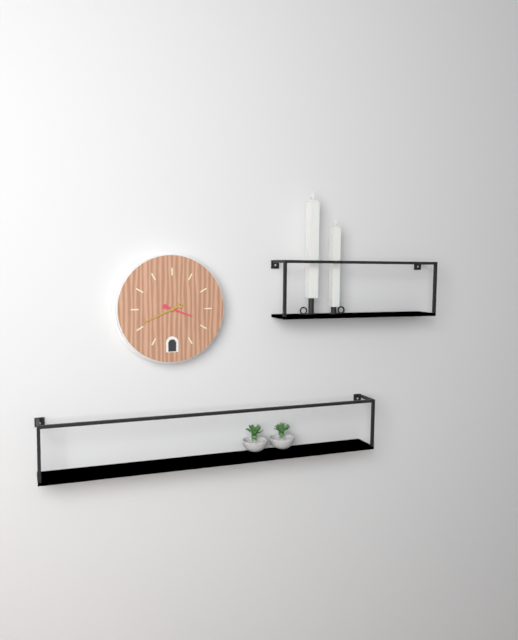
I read 3,41
